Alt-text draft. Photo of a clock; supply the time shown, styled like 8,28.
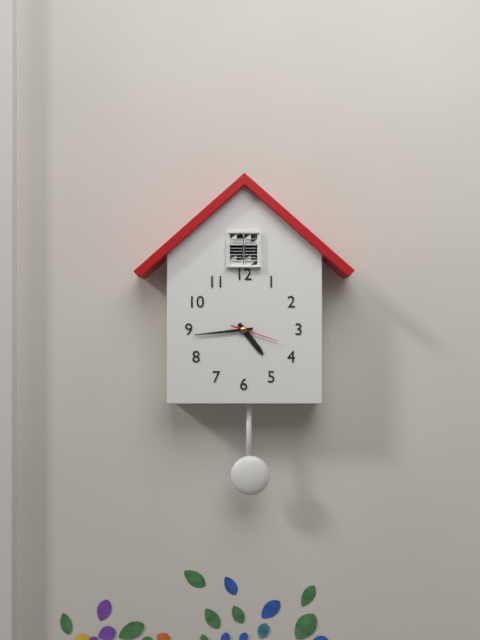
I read 4,44
